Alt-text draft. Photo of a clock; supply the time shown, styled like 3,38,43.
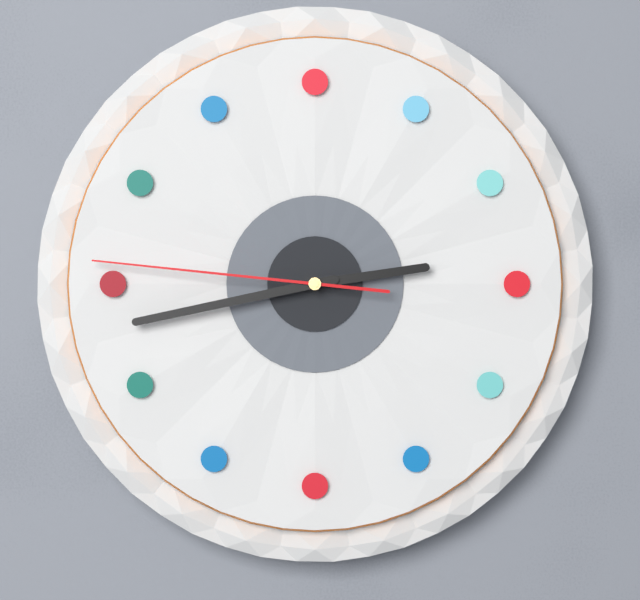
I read 2,43,46
